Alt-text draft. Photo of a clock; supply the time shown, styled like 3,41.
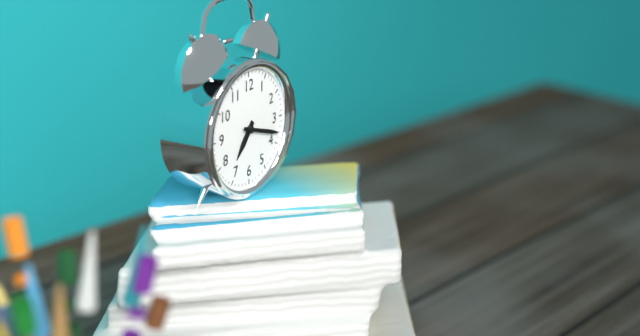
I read 7,18
